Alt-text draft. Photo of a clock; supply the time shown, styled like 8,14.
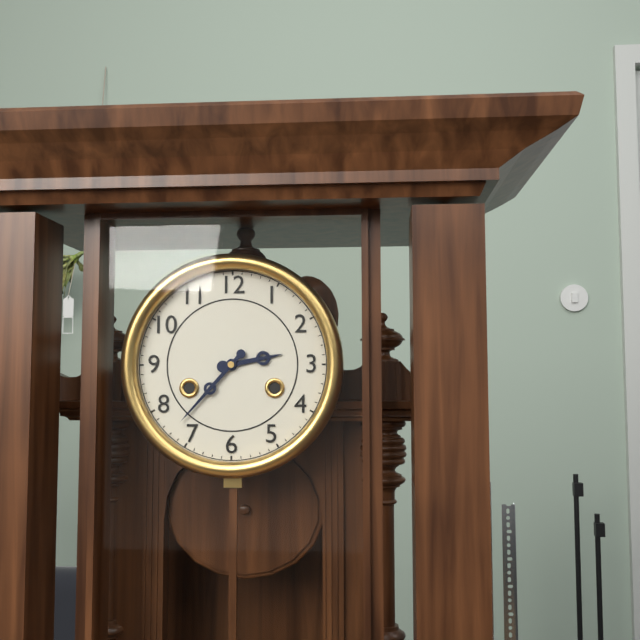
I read 2,37
